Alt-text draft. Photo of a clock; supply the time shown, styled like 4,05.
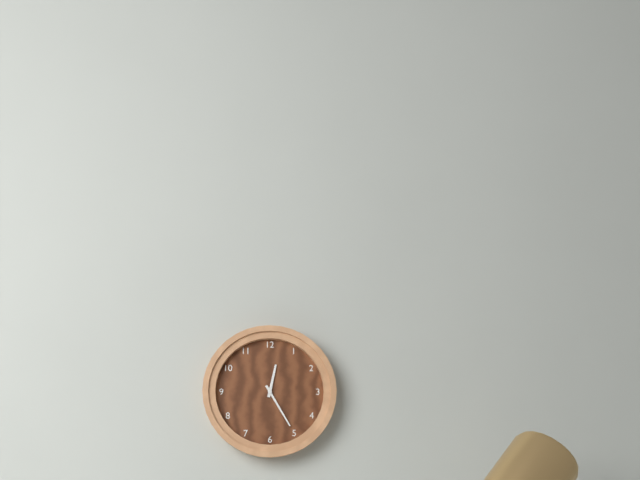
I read 12,25
